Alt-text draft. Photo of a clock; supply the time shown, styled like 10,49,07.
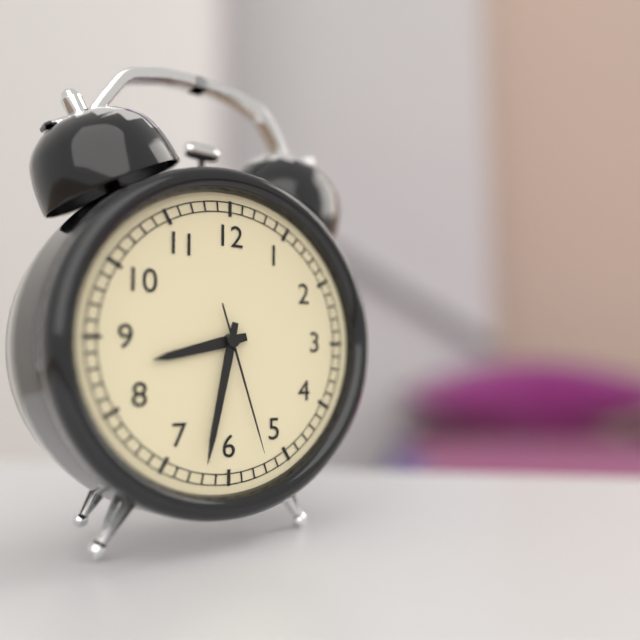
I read 8,32,27
